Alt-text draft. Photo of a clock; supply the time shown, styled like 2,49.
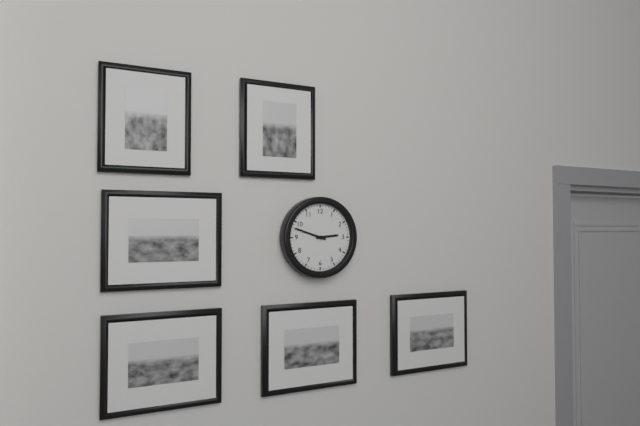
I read 2,48
